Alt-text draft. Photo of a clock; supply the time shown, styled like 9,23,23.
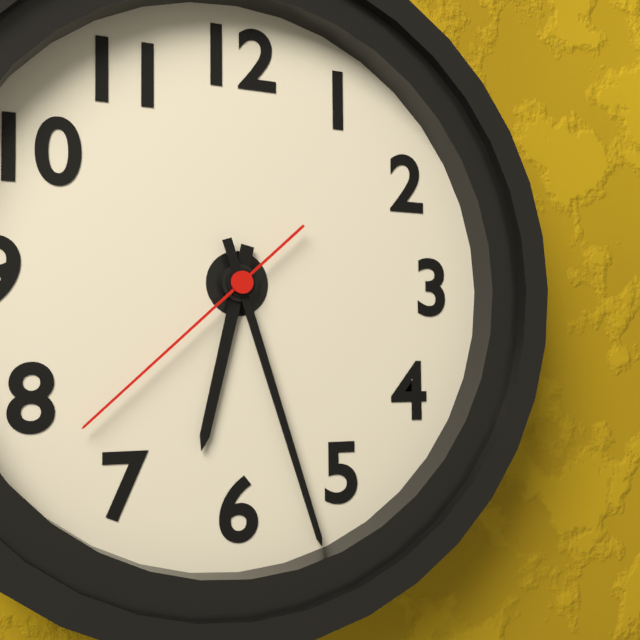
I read 6,27,38
